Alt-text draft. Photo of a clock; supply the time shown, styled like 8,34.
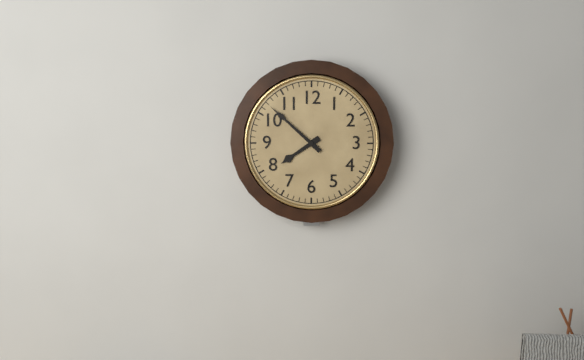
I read 7,52
